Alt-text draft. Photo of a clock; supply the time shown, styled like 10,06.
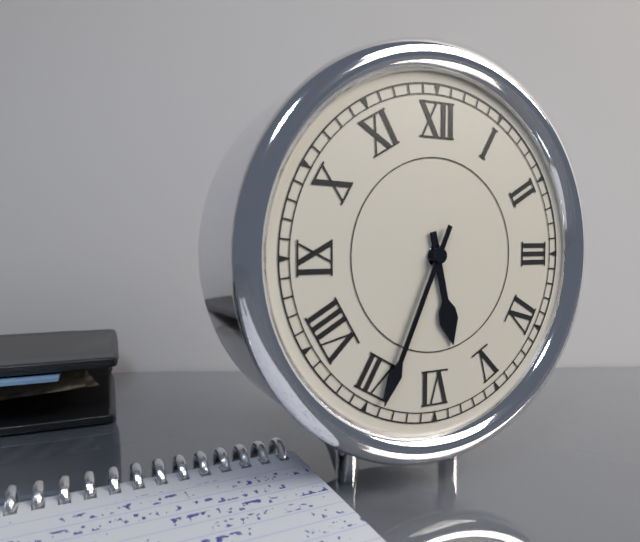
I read 5,34
